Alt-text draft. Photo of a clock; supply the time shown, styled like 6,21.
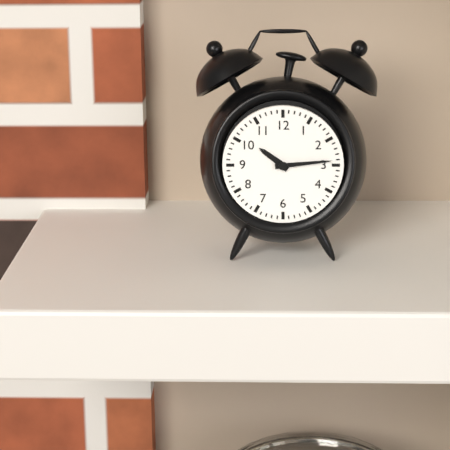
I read 10,14
